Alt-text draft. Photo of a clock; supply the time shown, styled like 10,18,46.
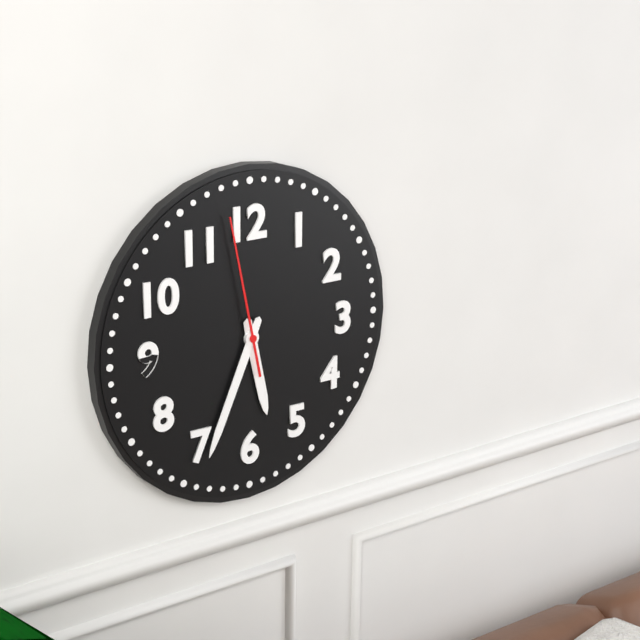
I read 5,34,58
